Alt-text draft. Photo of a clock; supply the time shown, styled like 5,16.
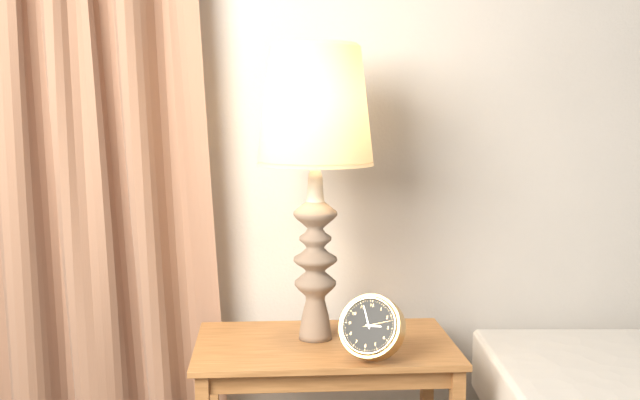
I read 2,56
